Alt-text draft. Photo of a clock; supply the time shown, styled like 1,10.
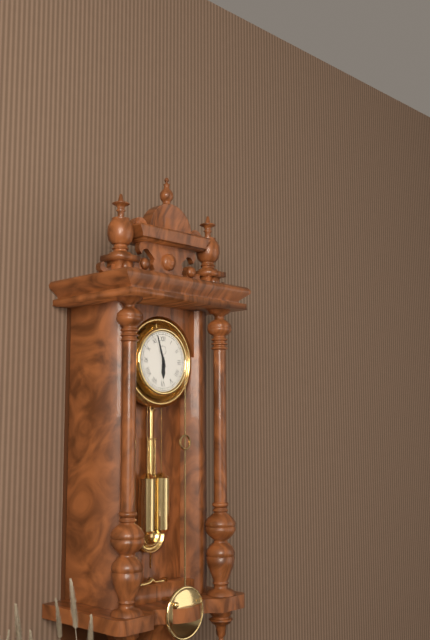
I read 5,57
